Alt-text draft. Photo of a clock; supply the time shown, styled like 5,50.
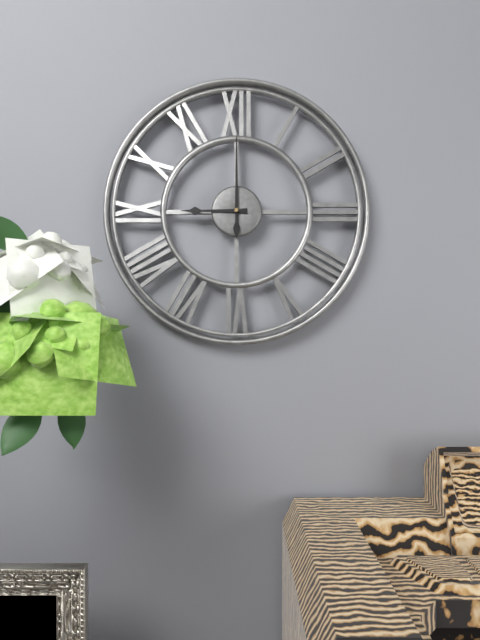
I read 9,00
